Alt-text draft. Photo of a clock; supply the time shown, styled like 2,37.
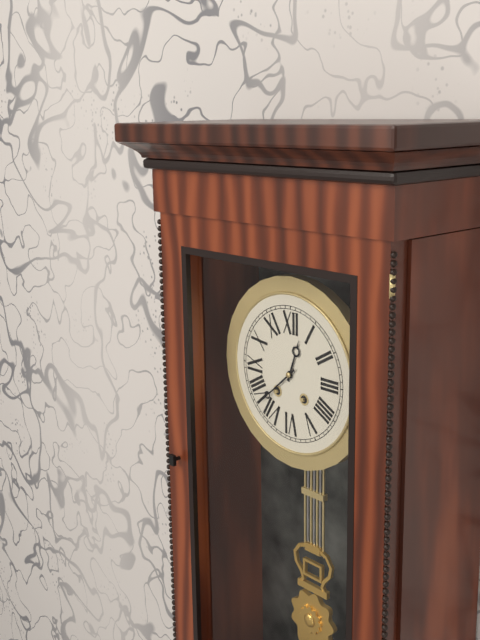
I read 12,38
